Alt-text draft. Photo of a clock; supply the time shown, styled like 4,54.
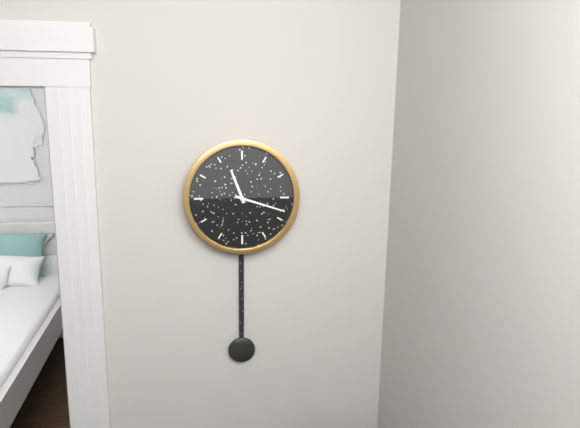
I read 11,18
